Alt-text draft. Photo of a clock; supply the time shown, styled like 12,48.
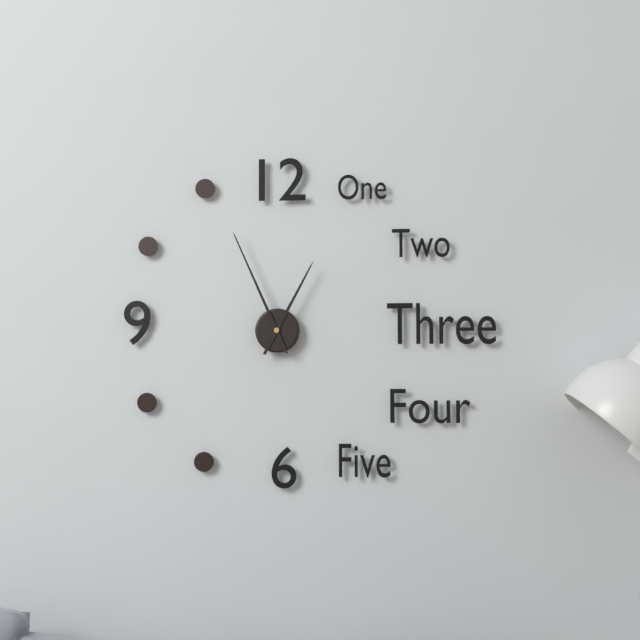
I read 12,56
